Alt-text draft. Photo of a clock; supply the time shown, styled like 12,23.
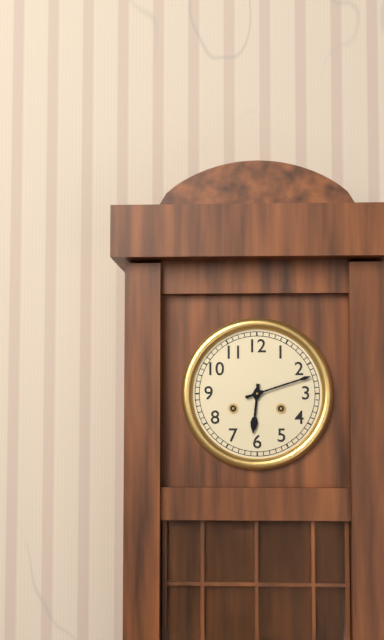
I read 6,12
